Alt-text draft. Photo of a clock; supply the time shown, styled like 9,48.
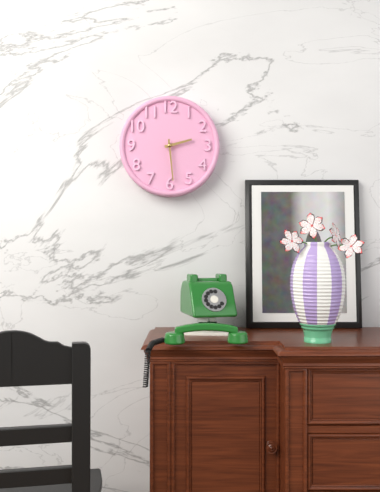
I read 2,29
